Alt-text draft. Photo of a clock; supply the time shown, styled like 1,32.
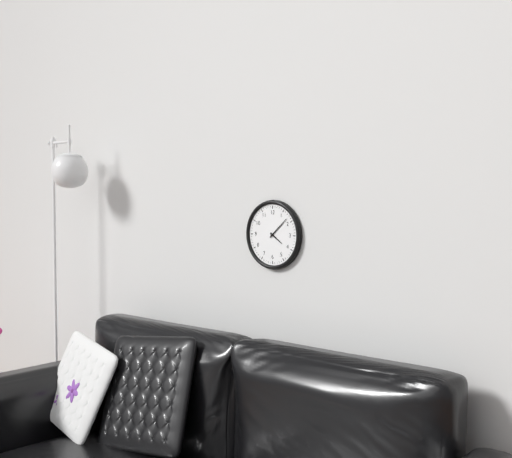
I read 4,08
